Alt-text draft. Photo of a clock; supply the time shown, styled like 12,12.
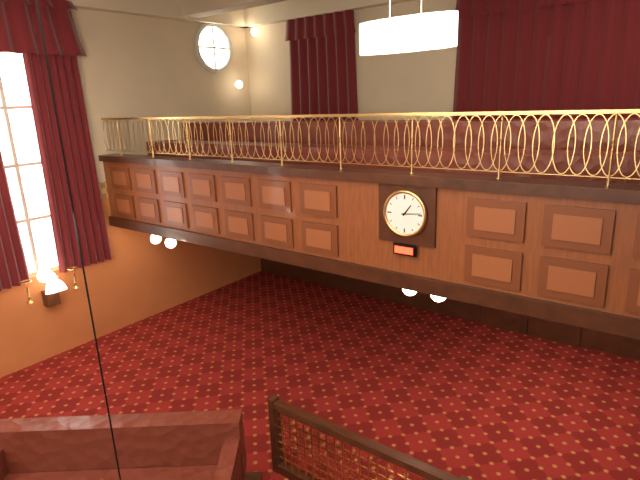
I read 1,14
